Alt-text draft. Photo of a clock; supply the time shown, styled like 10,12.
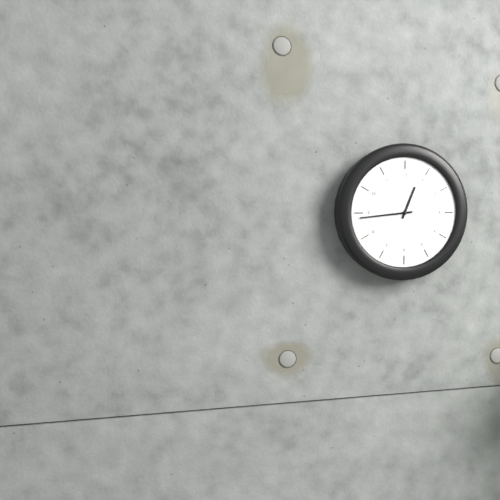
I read 12,44
